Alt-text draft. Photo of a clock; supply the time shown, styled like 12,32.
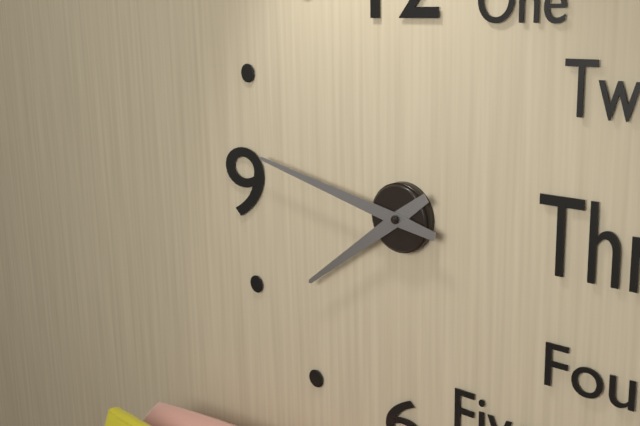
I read 7,47
